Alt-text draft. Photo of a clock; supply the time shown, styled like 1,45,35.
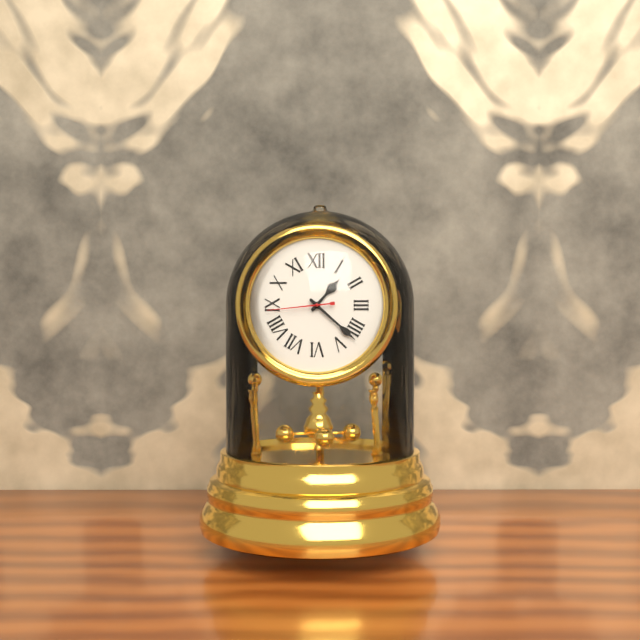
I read 1,22,44
